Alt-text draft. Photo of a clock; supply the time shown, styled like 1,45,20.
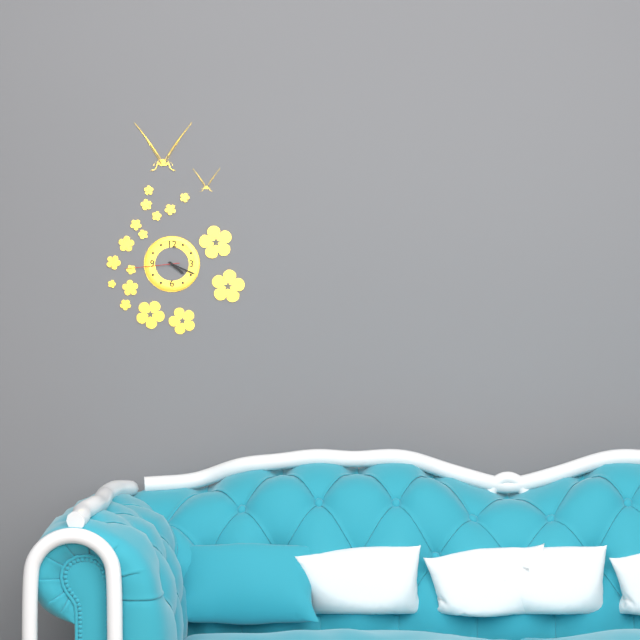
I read 4,19,44
